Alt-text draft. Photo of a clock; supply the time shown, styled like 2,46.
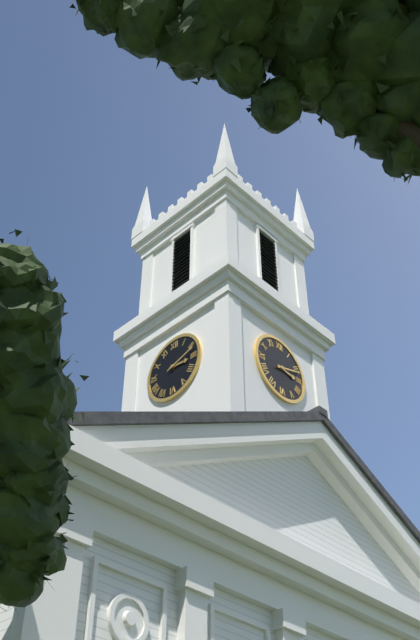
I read 3,12
